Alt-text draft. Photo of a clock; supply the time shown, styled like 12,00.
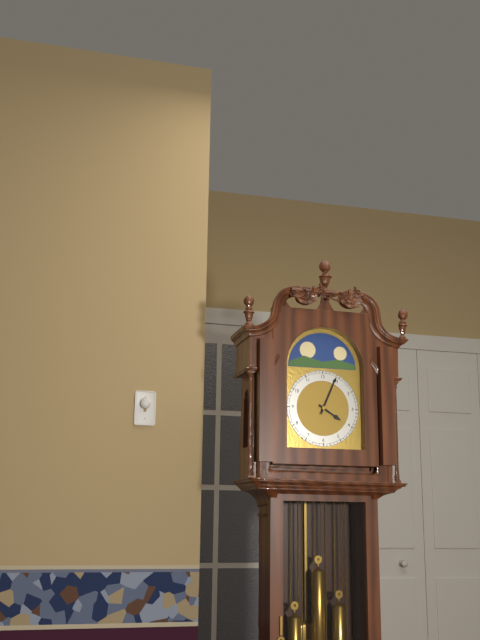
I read 4,04
